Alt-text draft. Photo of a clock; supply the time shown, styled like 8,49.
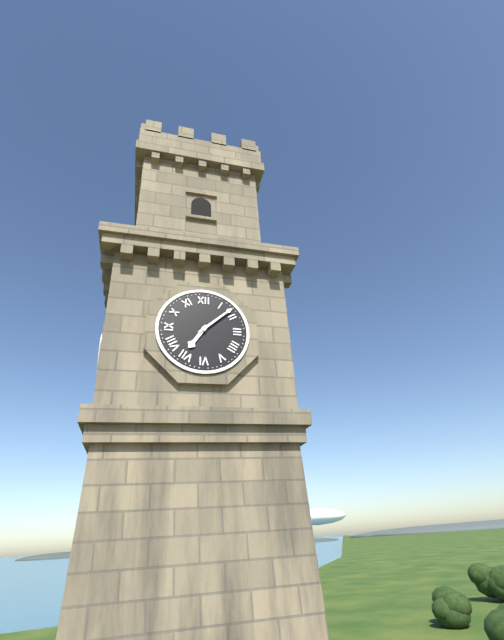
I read 7,08
